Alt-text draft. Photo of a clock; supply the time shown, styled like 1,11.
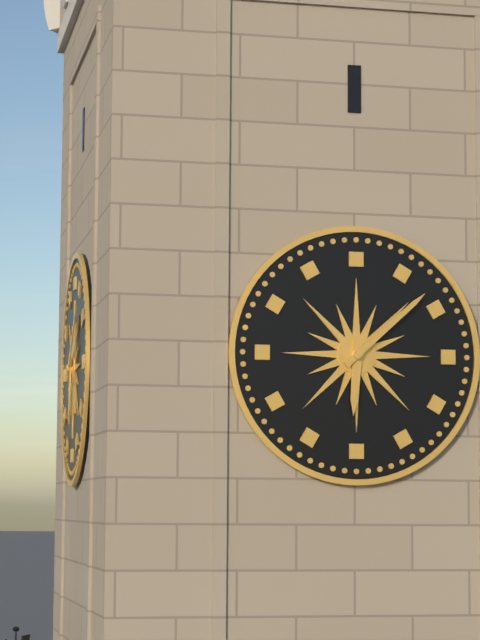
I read 6,08
